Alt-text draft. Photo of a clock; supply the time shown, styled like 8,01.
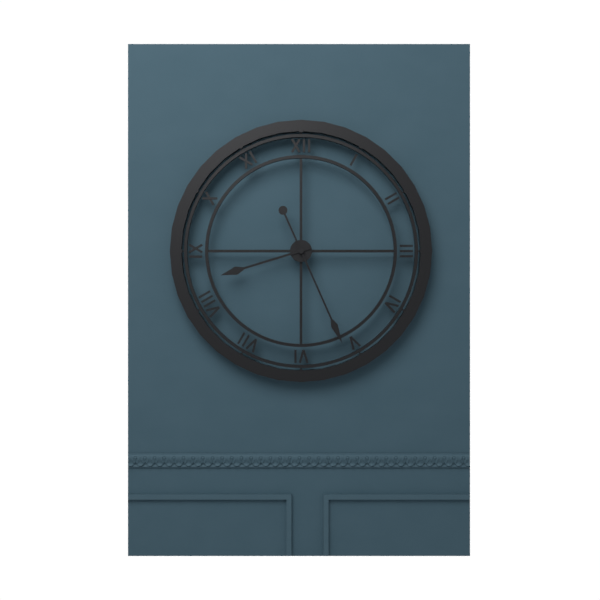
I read 8,26
